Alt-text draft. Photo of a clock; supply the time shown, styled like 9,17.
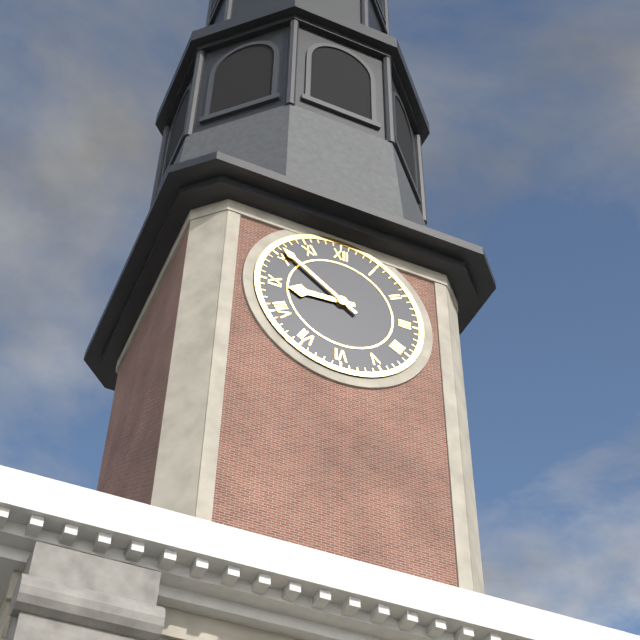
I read 8,51
